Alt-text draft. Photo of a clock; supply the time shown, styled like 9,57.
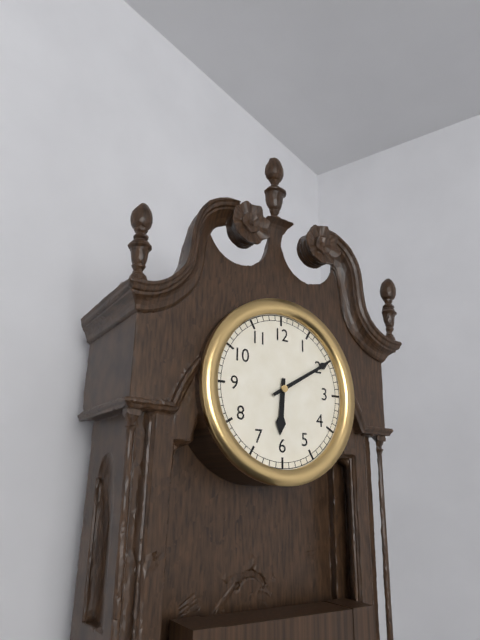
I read 6,10
